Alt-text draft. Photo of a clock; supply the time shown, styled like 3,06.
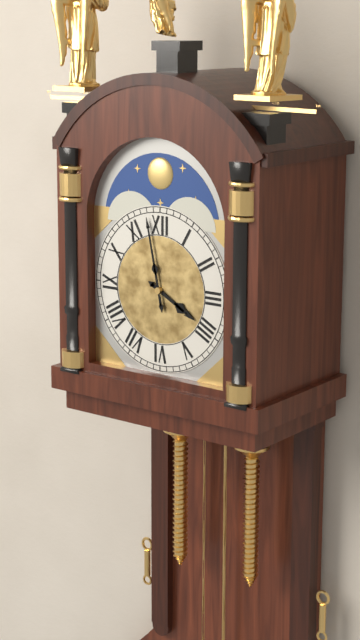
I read 3,58
